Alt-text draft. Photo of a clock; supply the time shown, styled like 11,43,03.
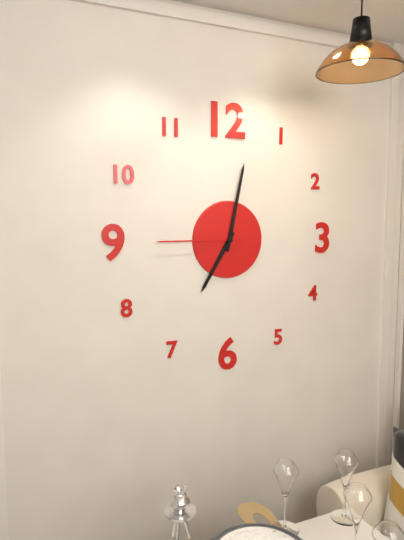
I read 7,02,45
